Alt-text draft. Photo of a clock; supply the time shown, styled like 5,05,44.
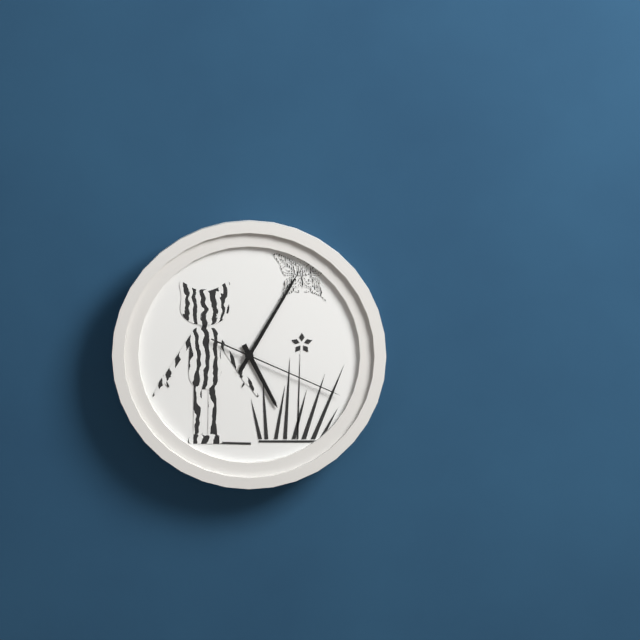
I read 5,05,19
